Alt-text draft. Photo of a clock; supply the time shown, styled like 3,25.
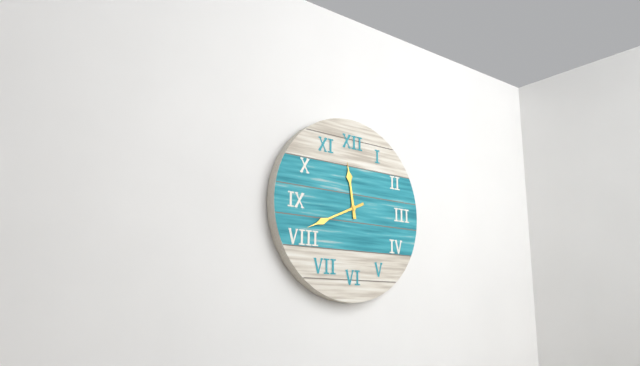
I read 11,41
